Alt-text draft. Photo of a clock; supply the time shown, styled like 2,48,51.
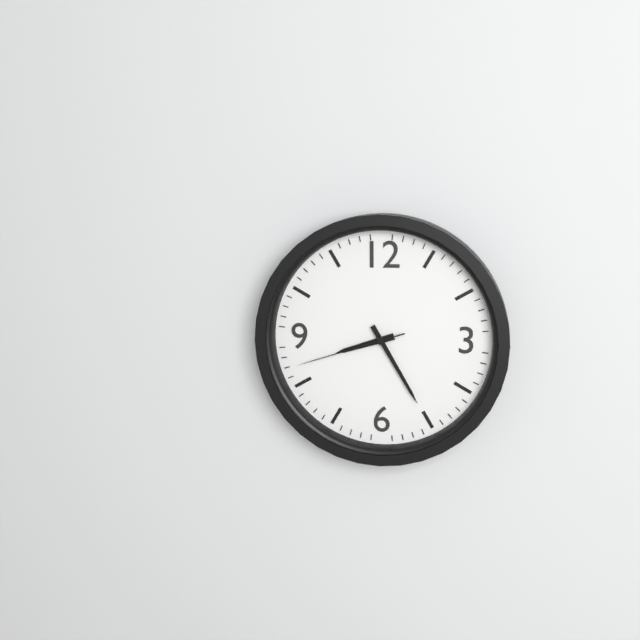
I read 8,25,42
